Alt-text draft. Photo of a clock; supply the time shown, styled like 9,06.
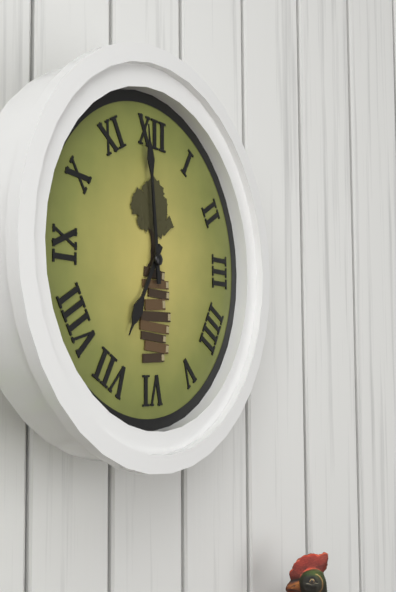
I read 6,59
